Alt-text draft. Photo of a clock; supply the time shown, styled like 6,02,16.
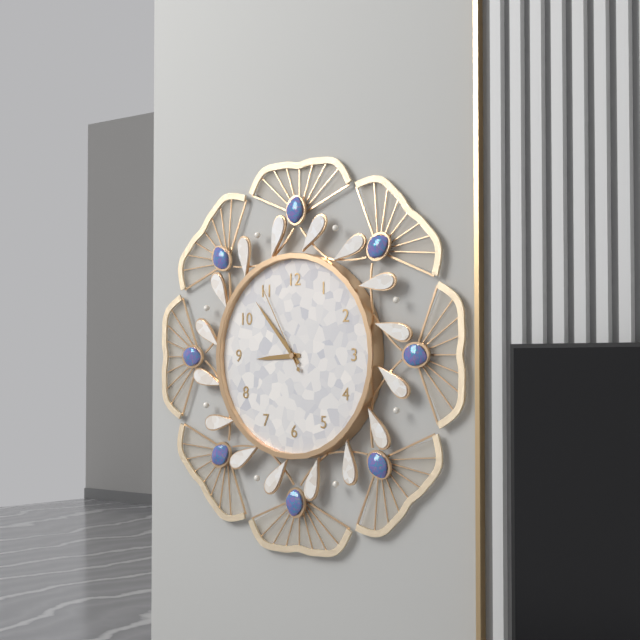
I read 8,53,55
